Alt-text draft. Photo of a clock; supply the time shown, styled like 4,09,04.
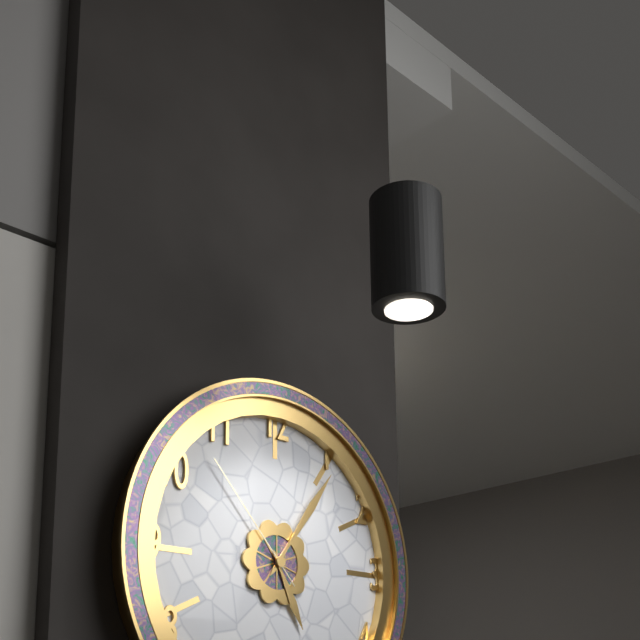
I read 5,06,53
